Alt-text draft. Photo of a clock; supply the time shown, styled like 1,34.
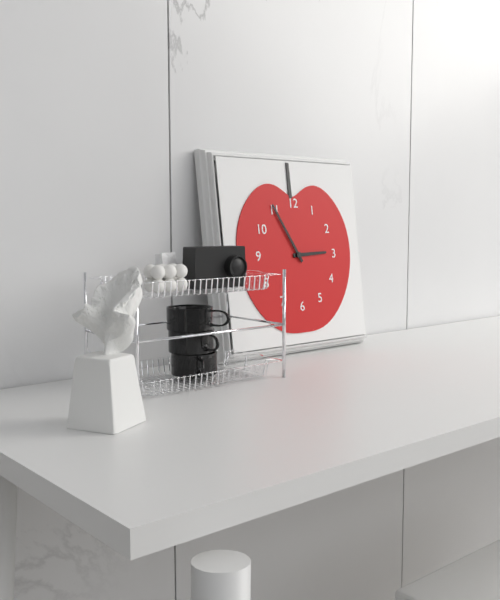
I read 2,55
